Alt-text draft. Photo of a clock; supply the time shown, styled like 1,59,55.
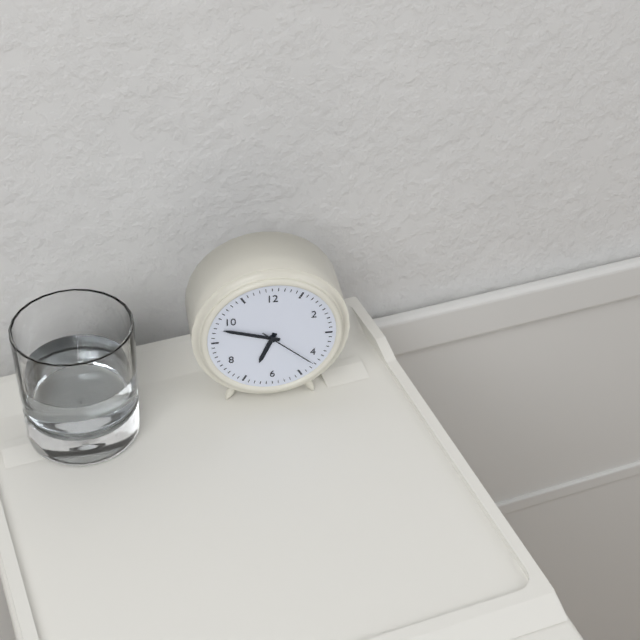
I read 6,48,22
